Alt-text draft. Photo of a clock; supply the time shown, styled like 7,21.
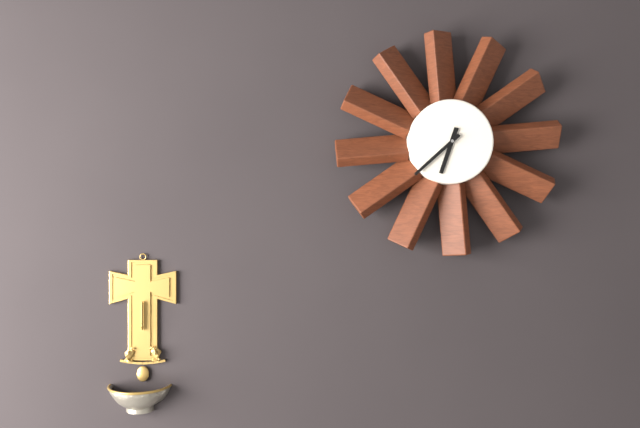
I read 6,38
